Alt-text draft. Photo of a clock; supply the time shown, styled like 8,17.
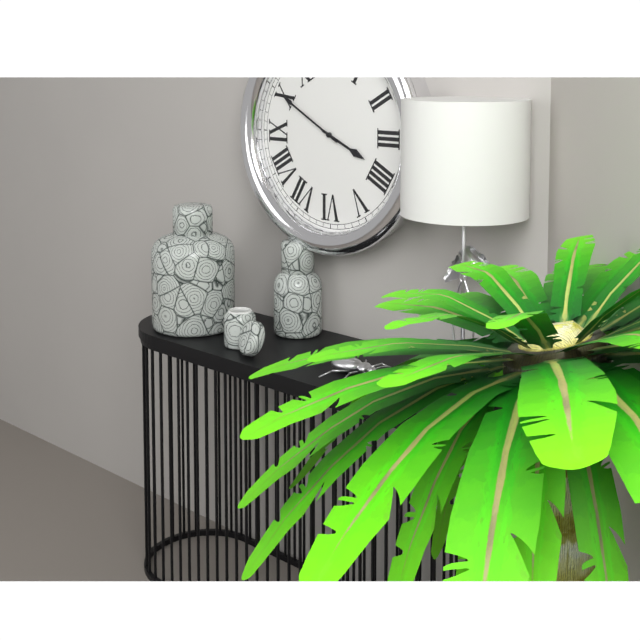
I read 3,50
